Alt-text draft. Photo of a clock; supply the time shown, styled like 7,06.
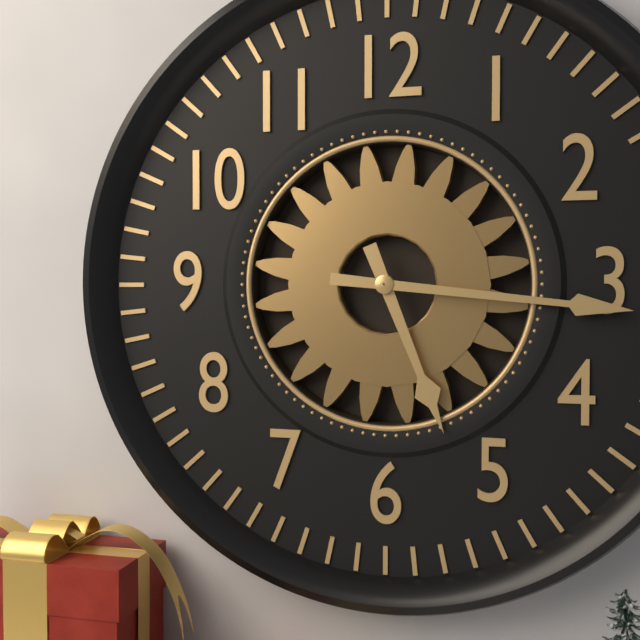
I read 5,16
